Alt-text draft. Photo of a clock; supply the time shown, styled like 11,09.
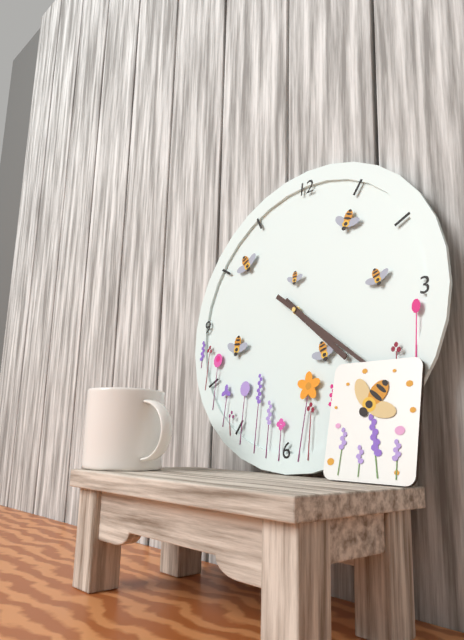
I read 4,21
